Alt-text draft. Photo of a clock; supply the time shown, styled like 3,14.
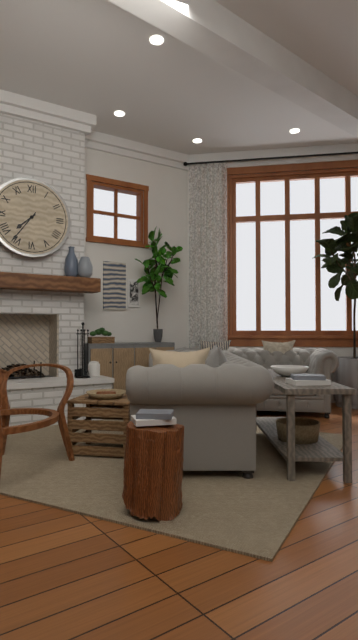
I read 7,36
